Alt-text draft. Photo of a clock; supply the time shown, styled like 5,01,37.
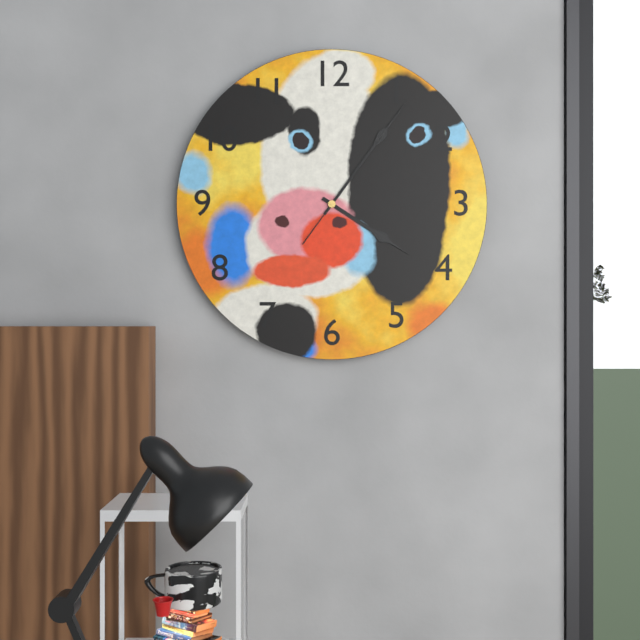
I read 4,06,06
